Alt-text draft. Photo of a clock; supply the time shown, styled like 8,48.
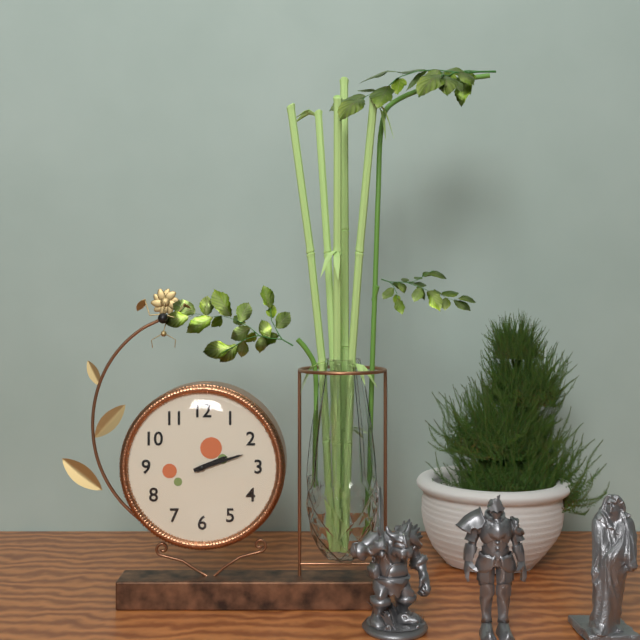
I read 2,12
